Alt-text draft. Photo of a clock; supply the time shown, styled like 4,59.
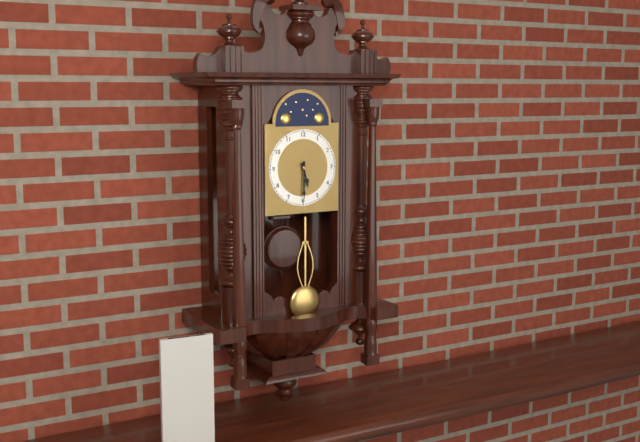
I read 5,30
